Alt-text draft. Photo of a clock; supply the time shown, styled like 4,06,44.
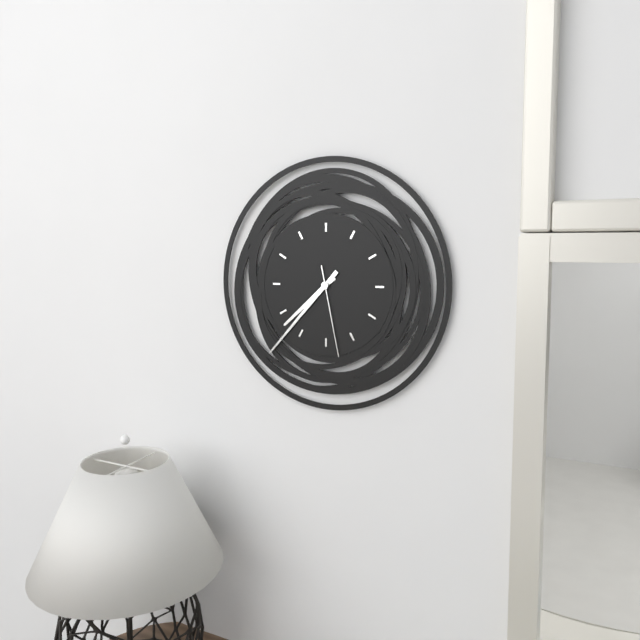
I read 7,37,28
